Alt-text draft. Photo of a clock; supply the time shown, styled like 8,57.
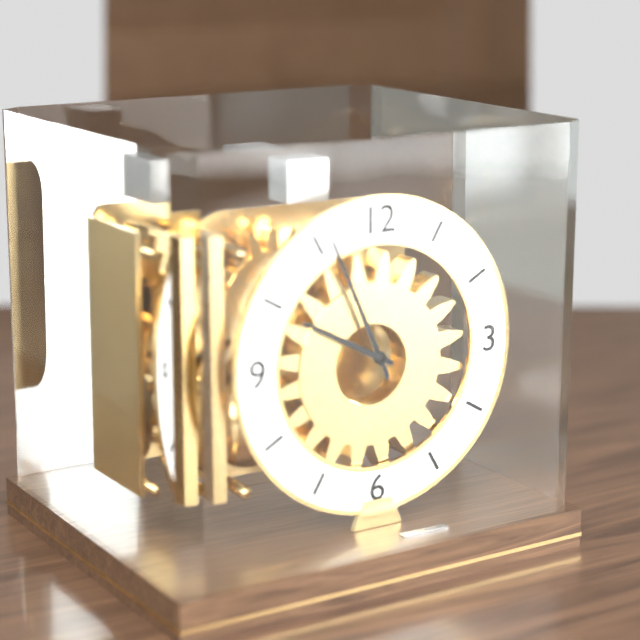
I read 9,56
